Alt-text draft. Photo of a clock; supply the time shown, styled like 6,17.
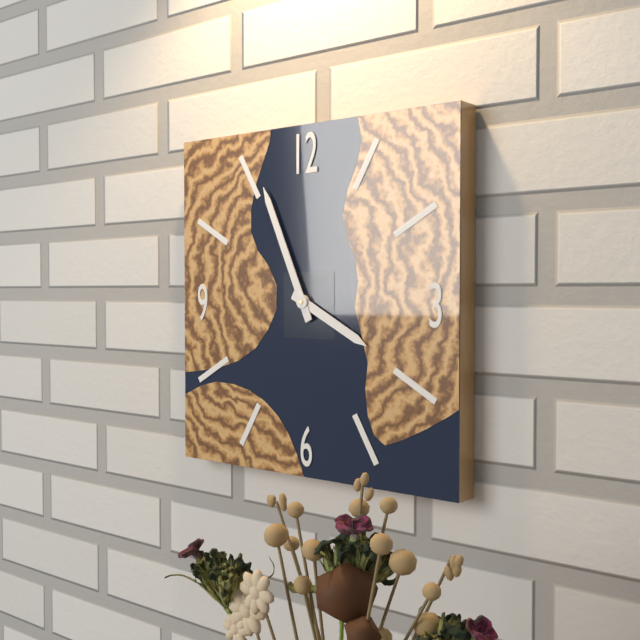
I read 3,56
